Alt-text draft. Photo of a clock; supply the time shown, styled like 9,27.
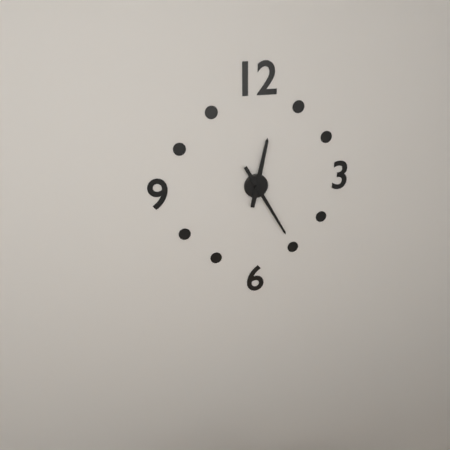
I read 12,25
